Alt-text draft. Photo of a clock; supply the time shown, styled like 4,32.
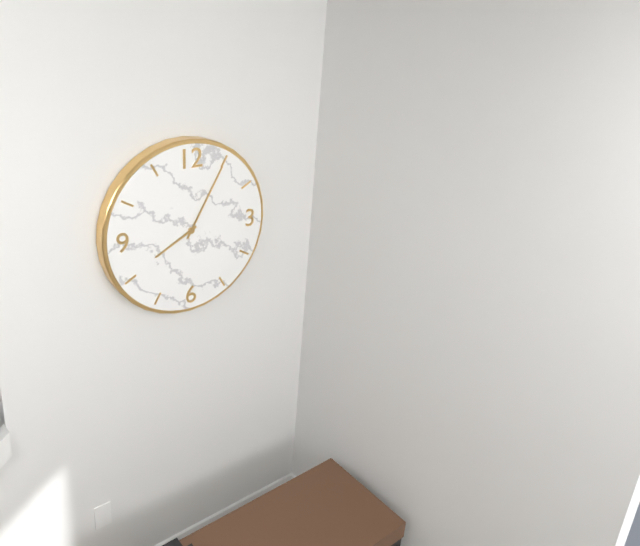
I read 8,05
